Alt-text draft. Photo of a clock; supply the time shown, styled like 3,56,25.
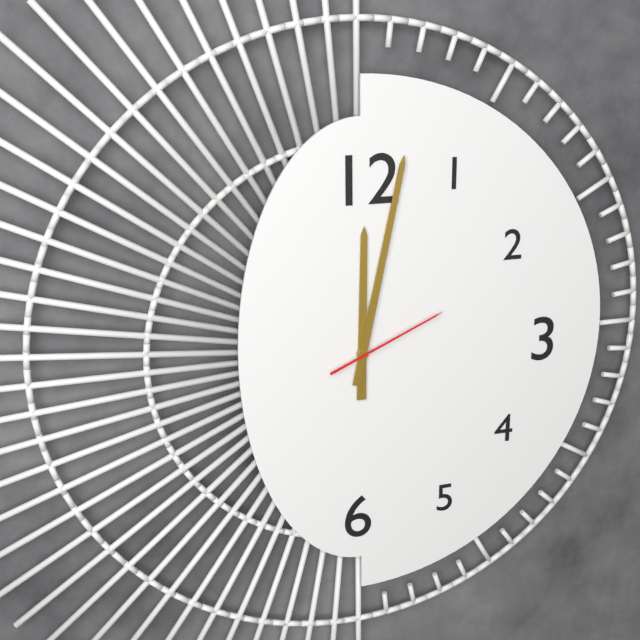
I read 12,02,11
